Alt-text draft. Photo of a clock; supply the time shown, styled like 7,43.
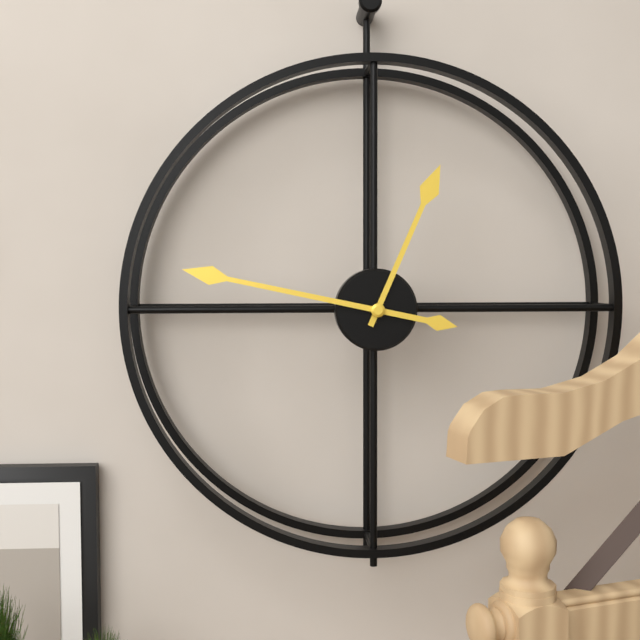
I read 12,47
